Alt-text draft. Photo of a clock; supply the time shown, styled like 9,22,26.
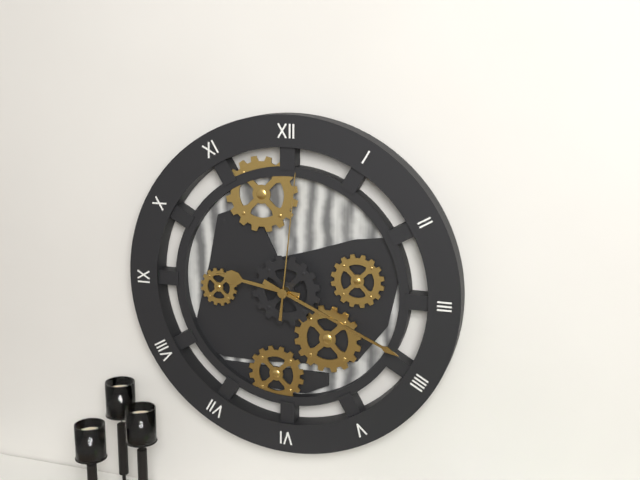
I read 9,19,01
